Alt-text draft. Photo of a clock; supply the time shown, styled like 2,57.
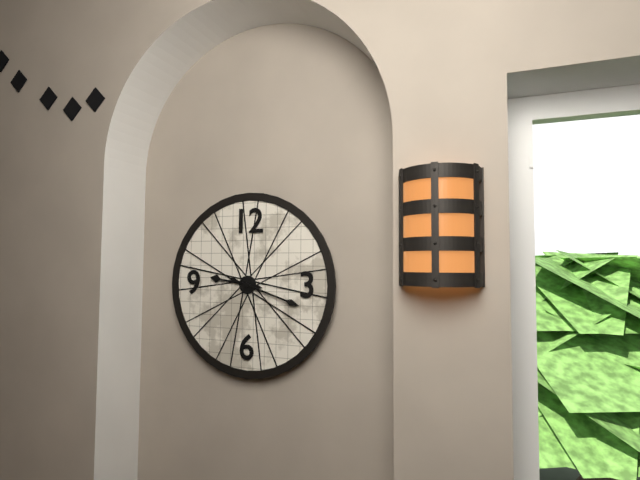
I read 9,18
